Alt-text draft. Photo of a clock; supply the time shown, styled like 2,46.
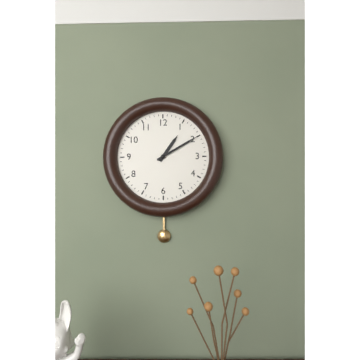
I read 1,10
